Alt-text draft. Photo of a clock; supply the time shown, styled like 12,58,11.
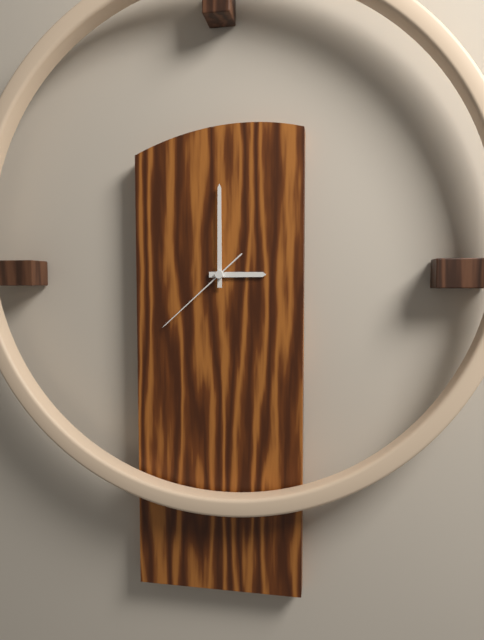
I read 3,00,38
